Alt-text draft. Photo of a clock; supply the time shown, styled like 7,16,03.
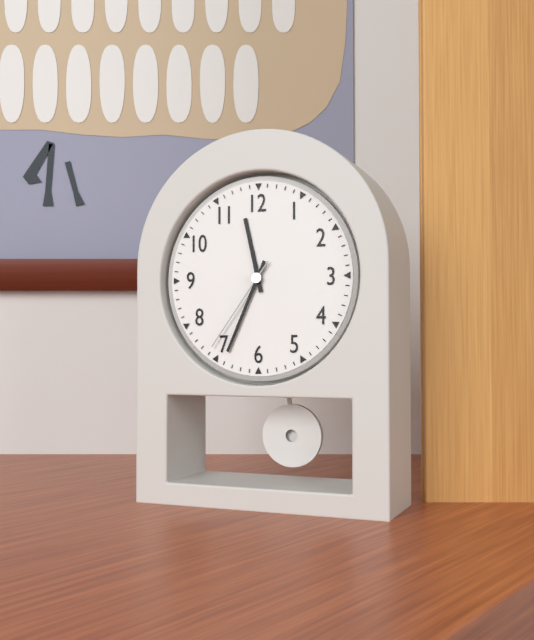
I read 11,34,36
